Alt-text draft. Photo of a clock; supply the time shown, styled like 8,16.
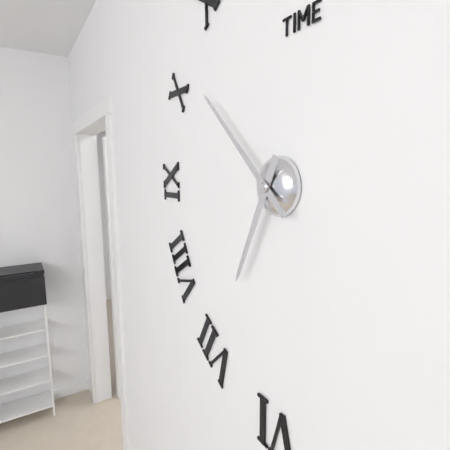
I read 6,52
